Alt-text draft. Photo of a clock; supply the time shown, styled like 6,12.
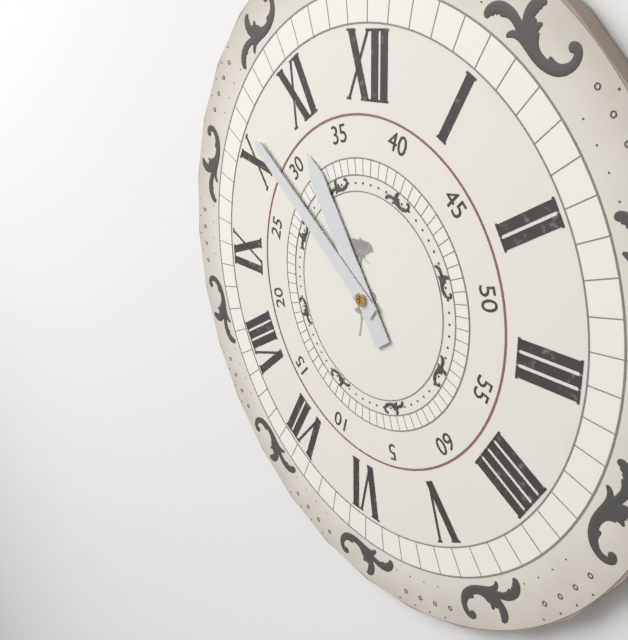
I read 10,51
